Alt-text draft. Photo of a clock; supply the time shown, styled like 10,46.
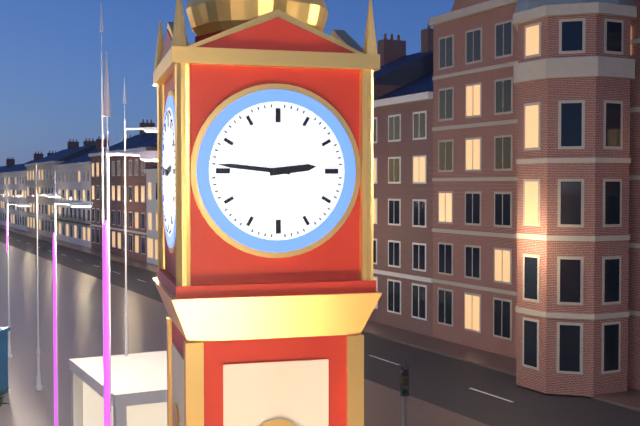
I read 2,46
